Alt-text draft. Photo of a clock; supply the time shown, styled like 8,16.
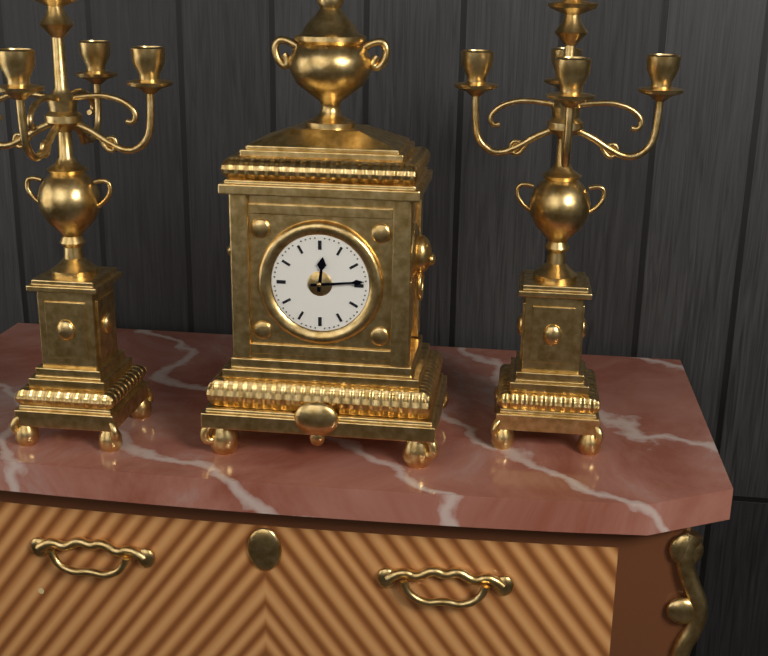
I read 12,14
